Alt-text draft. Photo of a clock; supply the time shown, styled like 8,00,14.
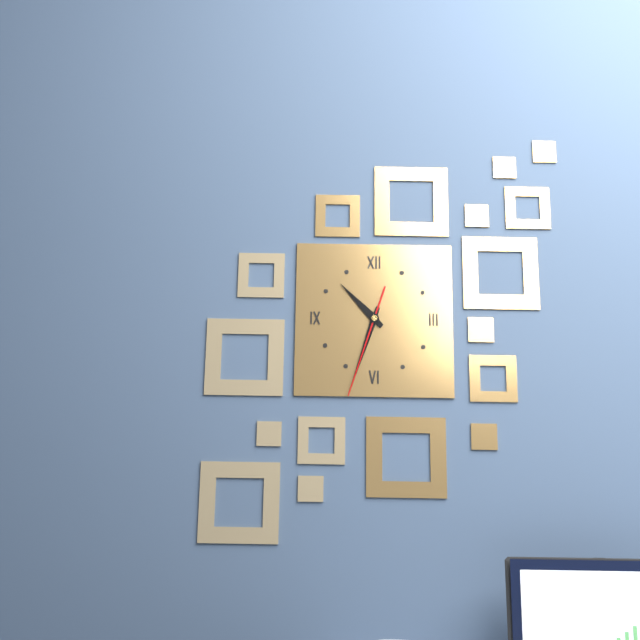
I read 10,33,33
